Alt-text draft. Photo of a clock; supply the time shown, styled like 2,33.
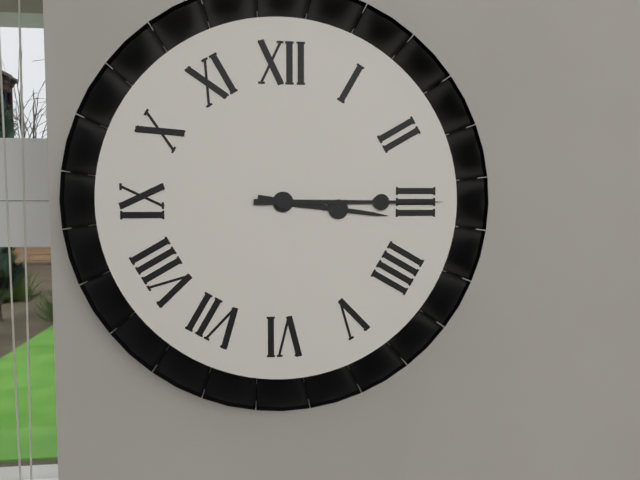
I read 3,15
